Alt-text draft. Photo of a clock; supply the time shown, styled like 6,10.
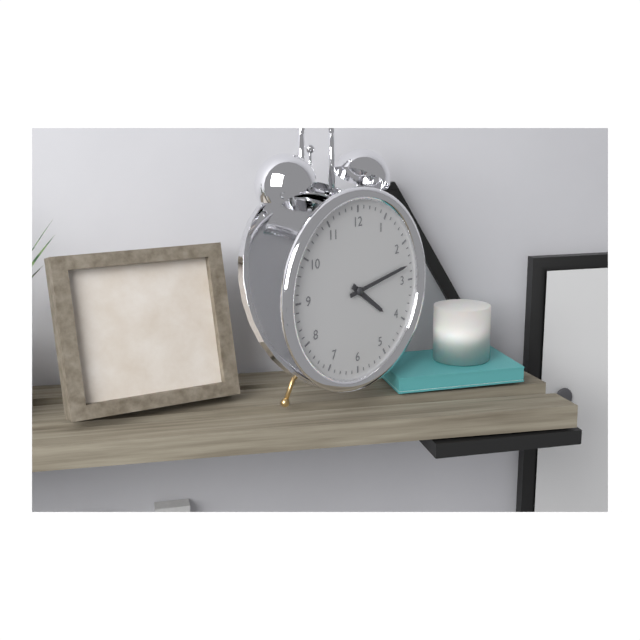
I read 4,13
